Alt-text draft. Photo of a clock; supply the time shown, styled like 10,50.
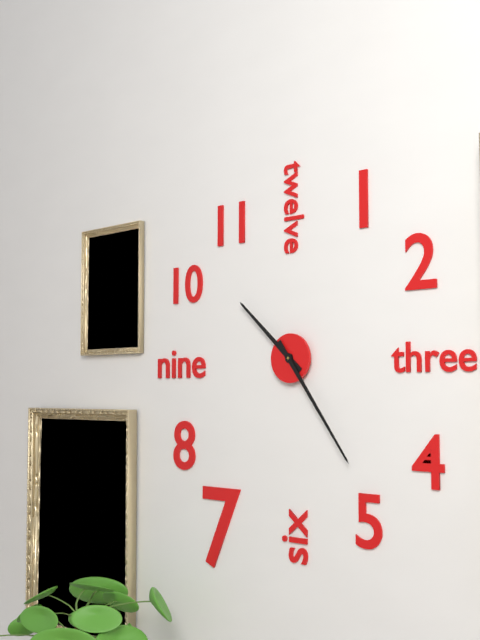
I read 10,24
